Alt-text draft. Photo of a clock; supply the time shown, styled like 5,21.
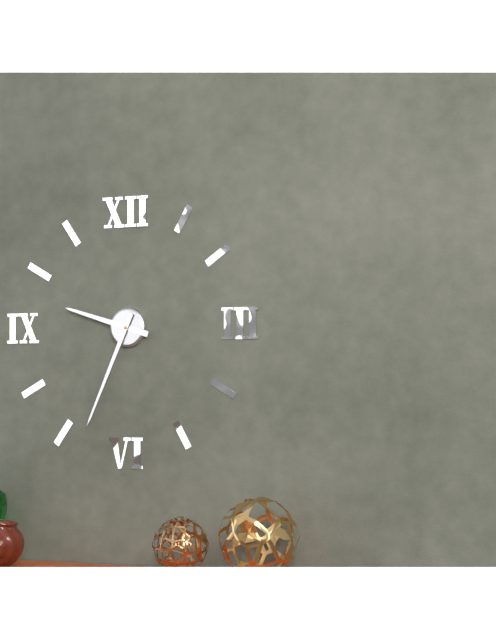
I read 9,34
